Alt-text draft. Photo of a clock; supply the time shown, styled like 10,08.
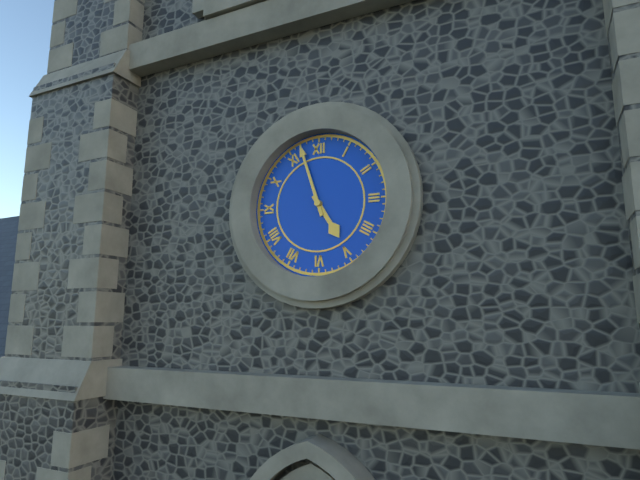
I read 4,57
